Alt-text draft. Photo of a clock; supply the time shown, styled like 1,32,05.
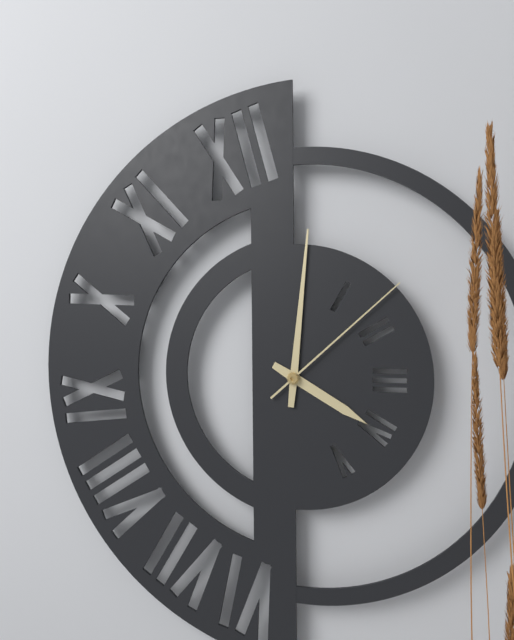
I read 4,01,08
